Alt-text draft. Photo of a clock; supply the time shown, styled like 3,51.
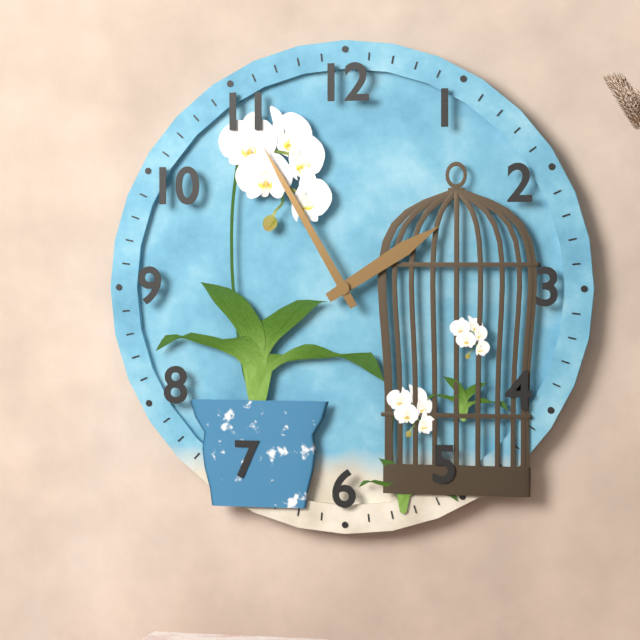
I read 1,55
